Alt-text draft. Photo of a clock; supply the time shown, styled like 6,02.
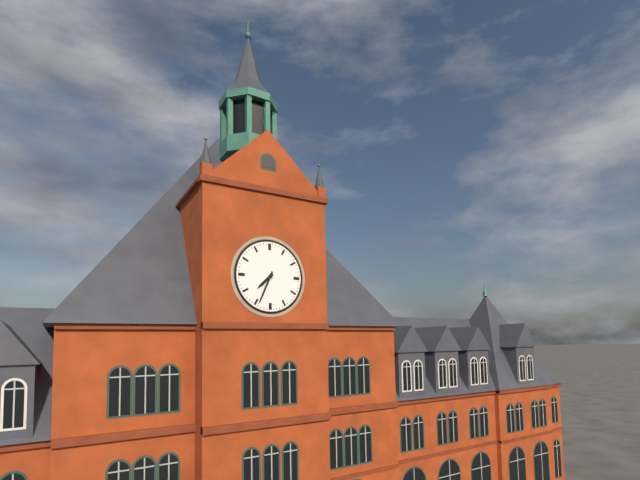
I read 7,34
